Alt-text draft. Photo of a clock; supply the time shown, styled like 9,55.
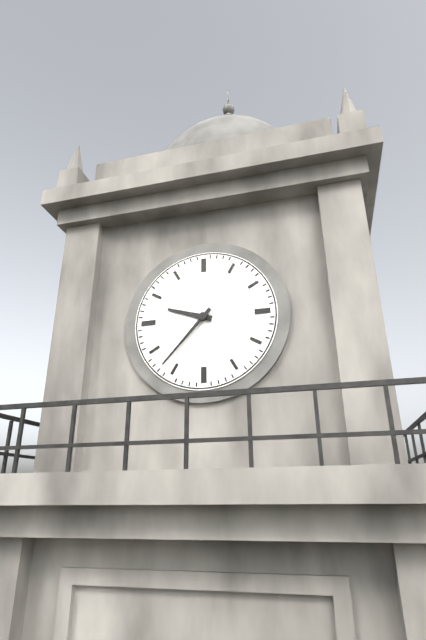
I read 9,37
